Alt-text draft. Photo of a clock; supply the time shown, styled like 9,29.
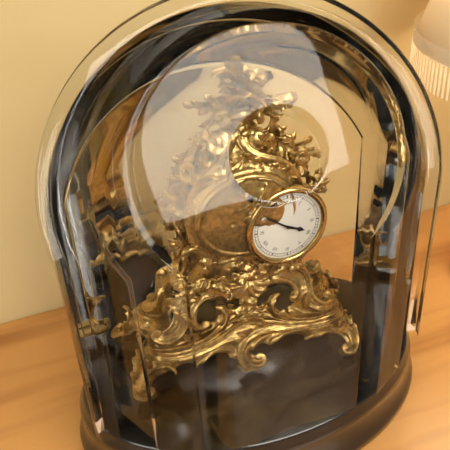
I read 3,51
